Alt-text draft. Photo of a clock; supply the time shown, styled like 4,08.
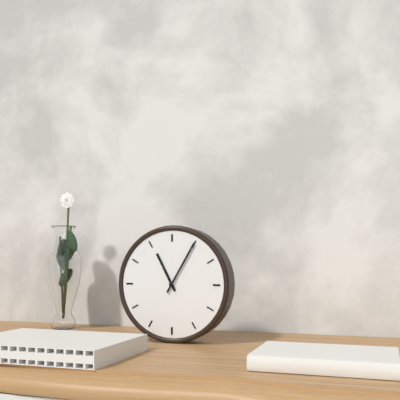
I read 11,05
